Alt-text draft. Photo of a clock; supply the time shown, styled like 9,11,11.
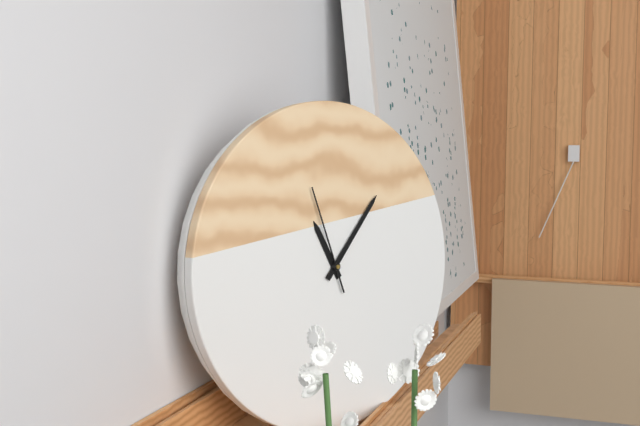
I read 11,07,57
